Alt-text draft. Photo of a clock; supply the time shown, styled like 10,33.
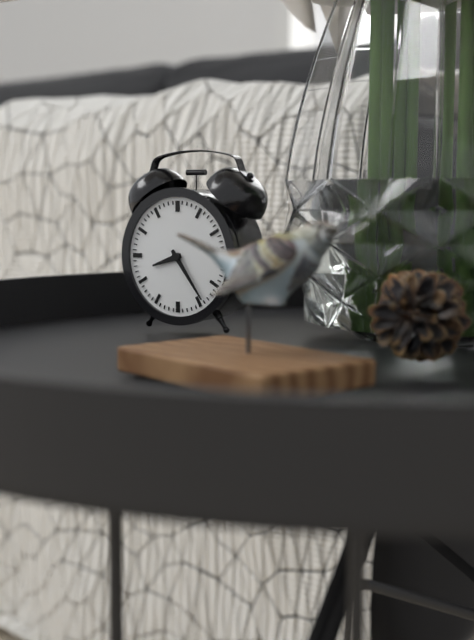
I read 8,24
